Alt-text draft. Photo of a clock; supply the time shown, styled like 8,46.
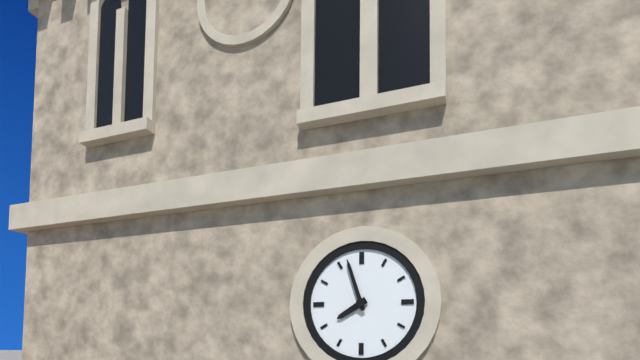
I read 7,57
